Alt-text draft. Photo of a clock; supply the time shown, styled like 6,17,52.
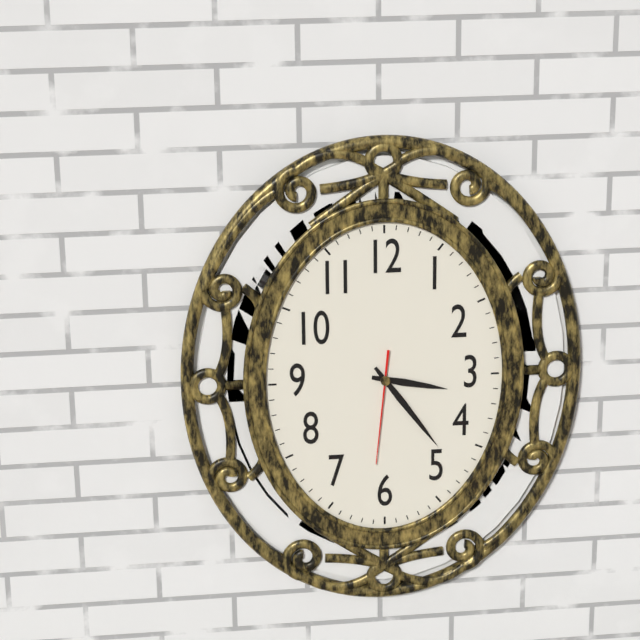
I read 3,24,31
